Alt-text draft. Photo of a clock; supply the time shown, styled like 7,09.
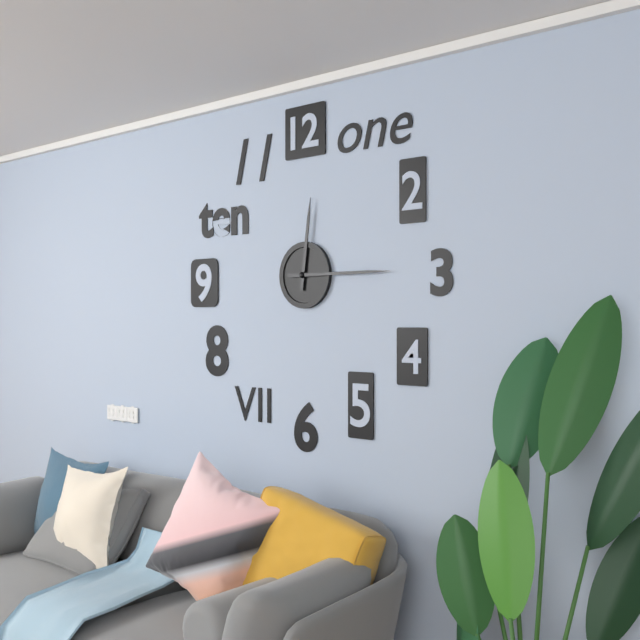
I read 12,15
